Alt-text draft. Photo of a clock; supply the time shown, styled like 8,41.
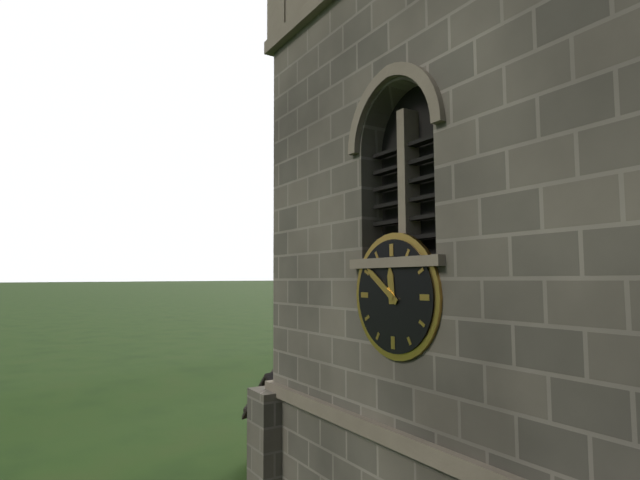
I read 11,51
